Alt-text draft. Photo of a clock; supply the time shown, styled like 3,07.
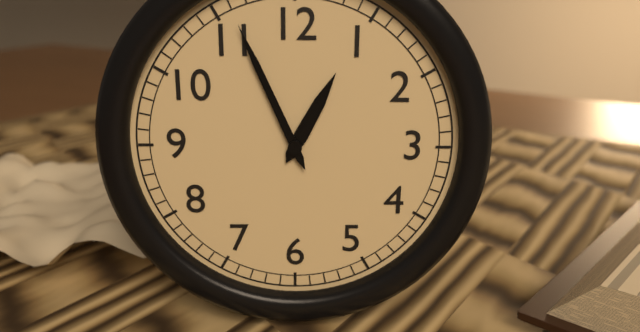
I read 12,56
